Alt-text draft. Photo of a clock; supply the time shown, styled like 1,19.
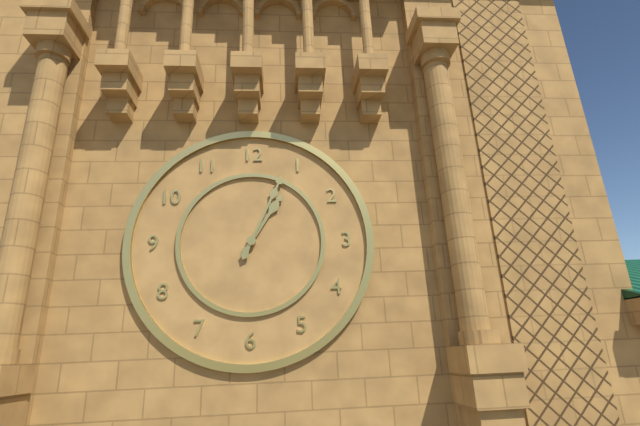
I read 1,04
